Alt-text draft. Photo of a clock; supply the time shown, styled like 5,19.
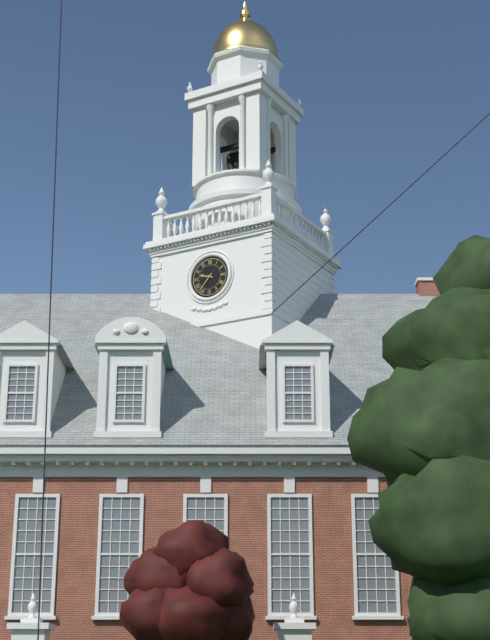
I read 9,37
